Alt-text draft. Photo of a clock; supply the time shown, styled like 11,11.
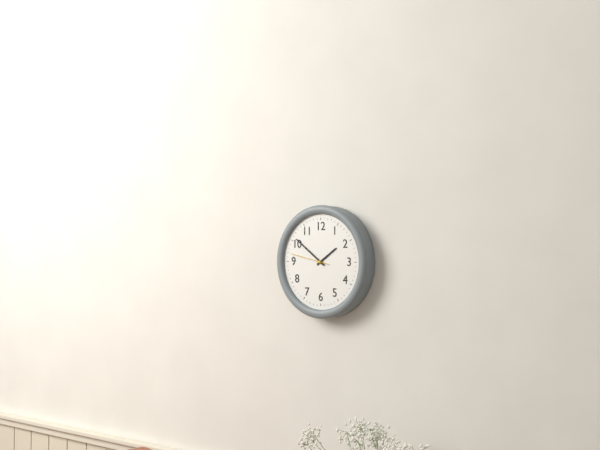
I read 1,51
